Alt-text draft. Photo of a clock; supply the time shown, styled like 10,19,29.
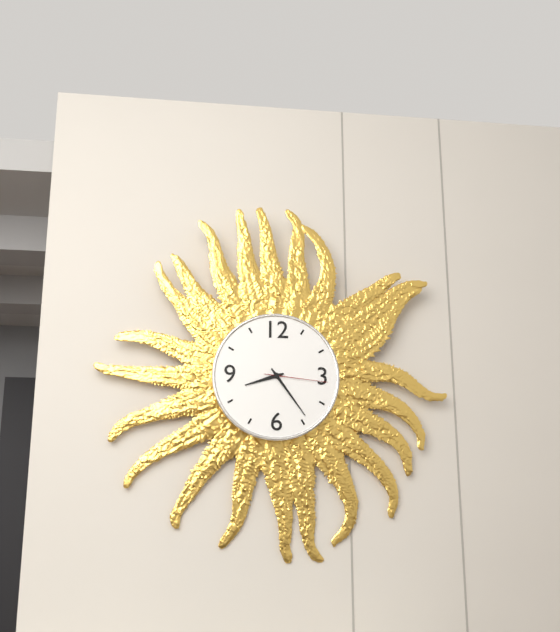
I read 8,24,16
